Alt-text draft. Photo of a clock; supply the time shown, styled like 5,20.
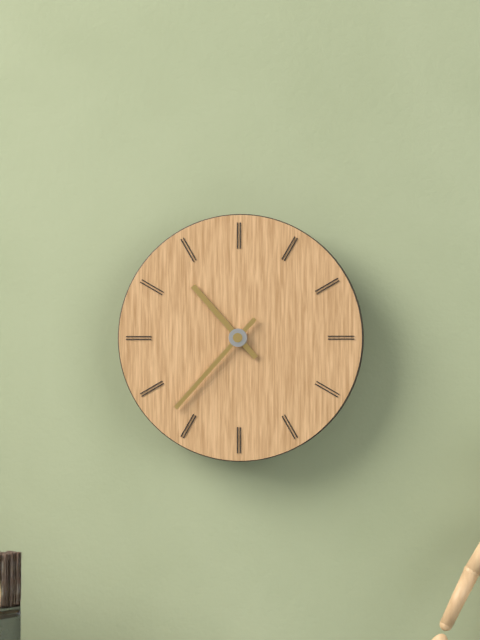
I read 10,37
